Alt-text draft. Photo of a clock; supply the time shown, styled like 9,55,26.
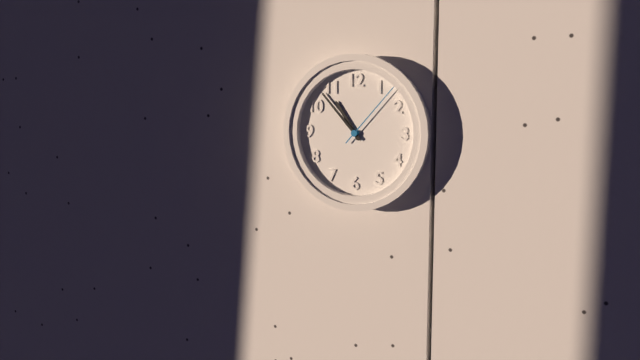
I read 10,53,07
